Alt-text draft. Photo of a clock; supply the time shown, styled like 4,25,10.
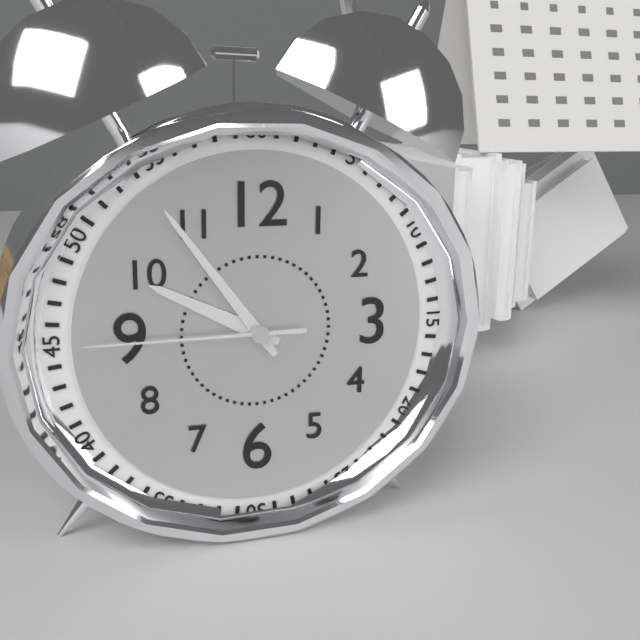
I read 9,54,45
